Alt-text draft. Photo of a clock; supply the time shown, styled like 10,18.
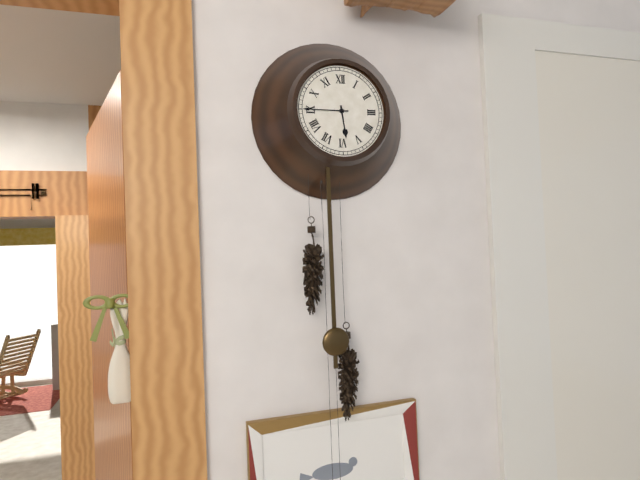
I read 5,45
